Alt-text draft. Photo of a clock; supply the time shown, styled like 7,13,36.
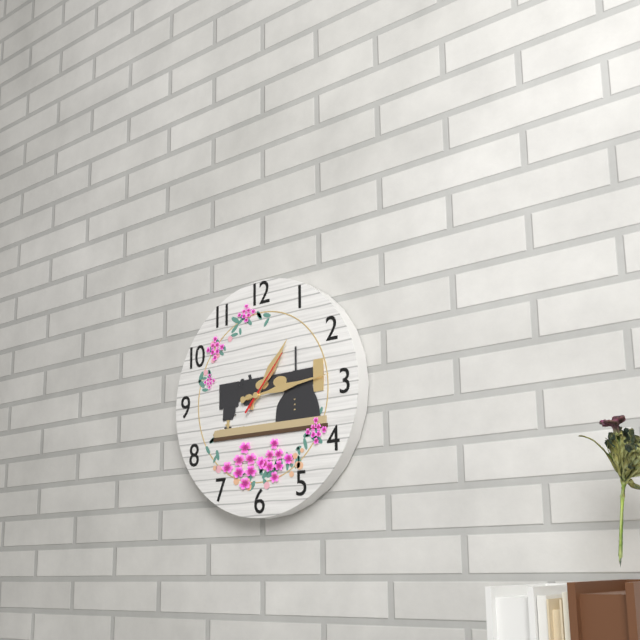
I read 1,14,07
